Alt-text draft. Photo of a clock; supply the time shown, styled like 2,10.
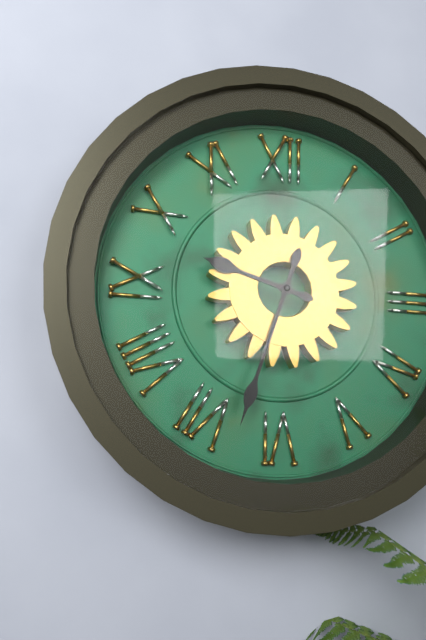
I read 9,33
